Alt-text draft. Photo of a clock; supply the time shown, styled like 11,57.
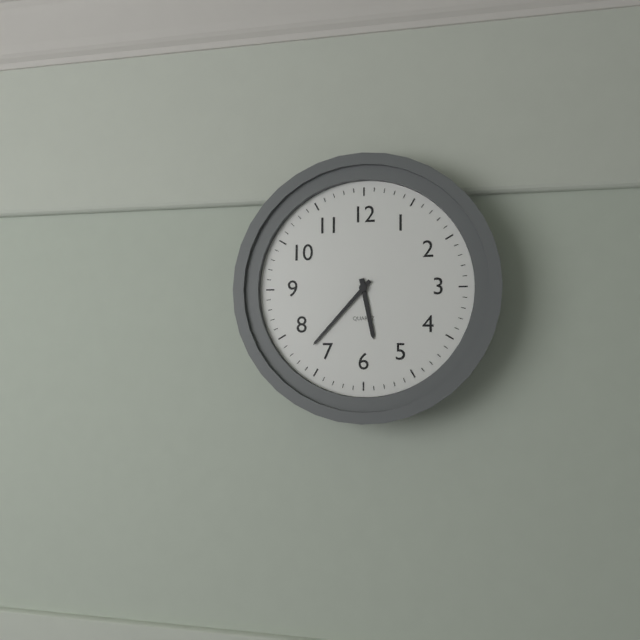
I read 5,37
